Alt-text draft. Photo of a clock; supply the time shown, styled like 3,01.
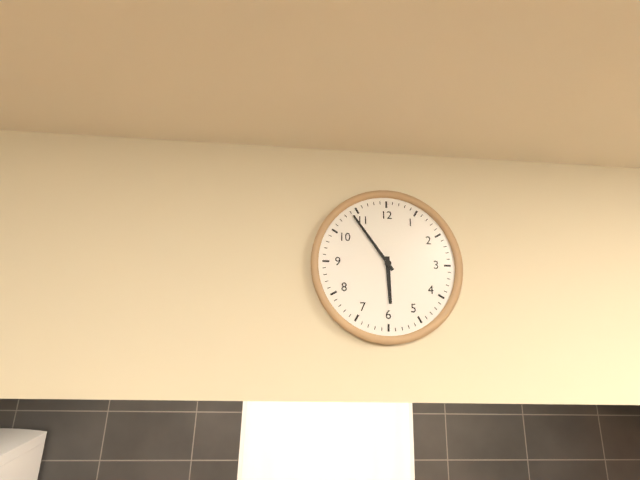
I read 5,54
